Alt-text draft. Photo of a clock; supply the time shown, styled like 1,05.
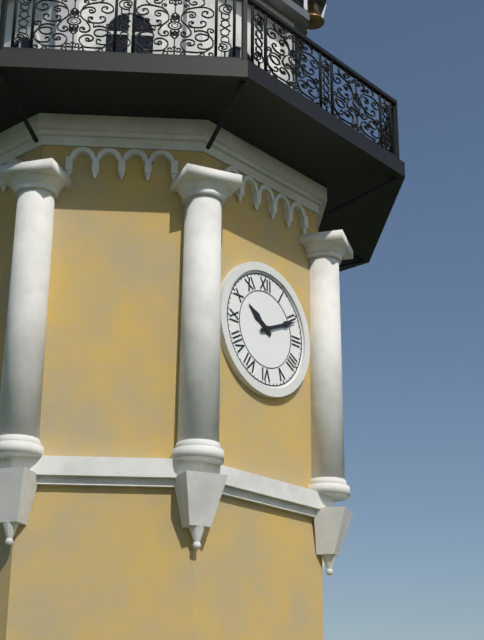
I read 10,11
